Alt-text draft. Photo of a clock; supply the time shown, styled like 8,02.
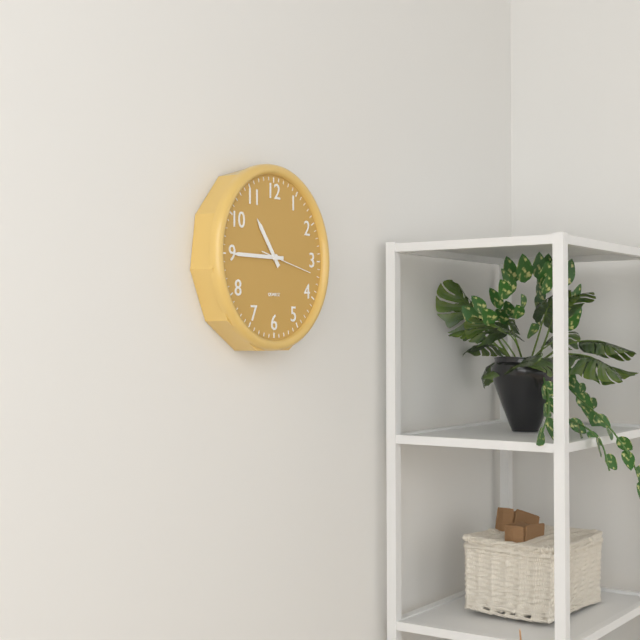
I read 10,45
